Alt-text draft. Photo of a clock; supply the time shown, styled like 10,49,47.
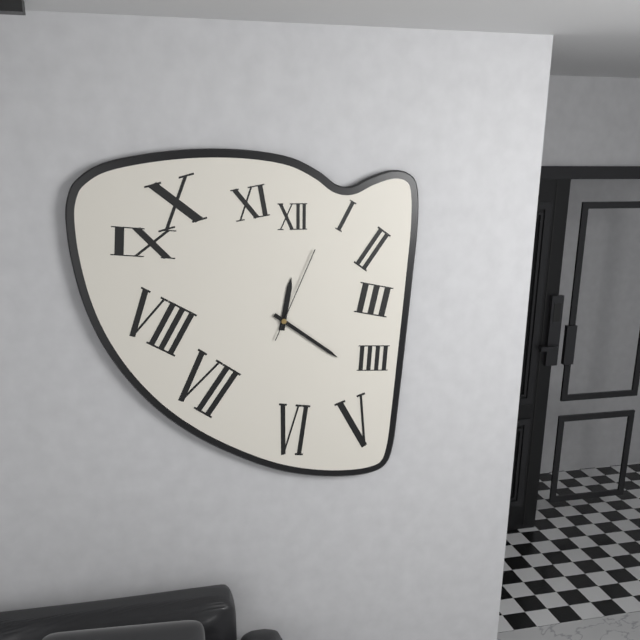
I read 12,21,04
